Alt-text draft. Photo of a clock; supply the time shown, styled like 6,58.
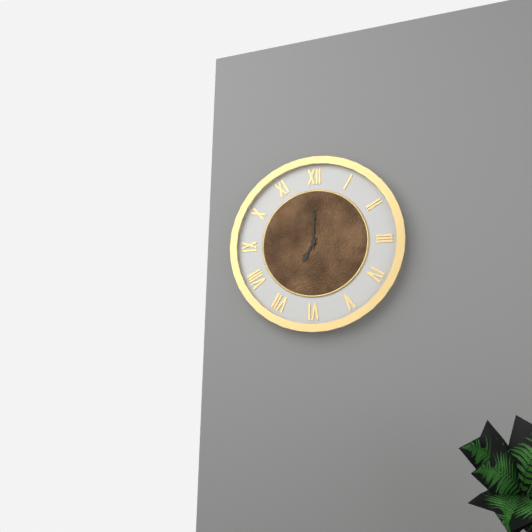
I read 7,00
